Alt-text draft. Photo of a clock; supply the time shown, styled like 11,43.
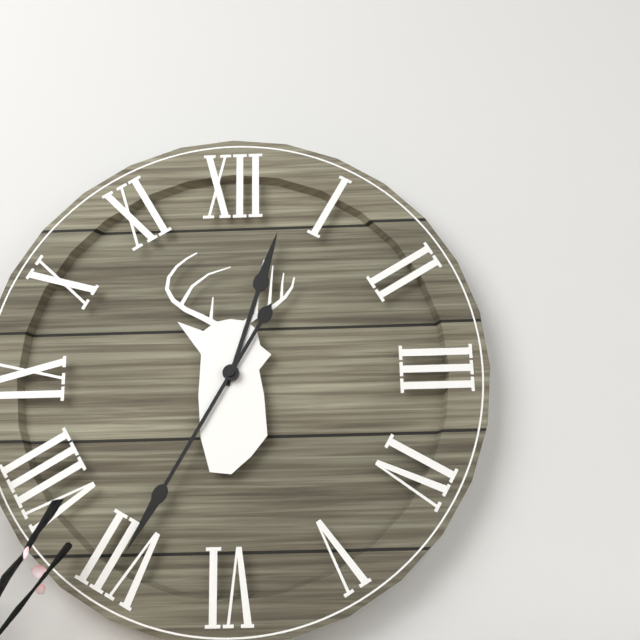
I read 12,35
